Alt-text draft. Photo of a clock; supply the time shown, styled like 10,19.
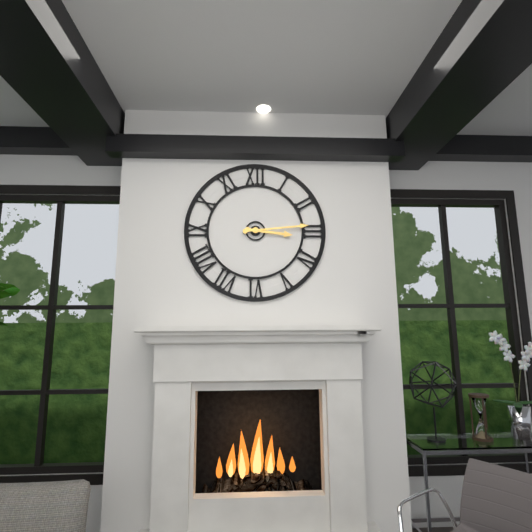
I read 3,14
